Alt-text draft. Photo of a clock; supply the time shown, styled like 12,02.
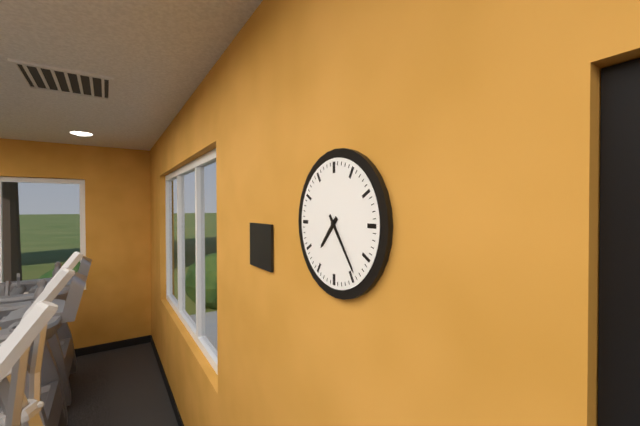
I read 7,24
